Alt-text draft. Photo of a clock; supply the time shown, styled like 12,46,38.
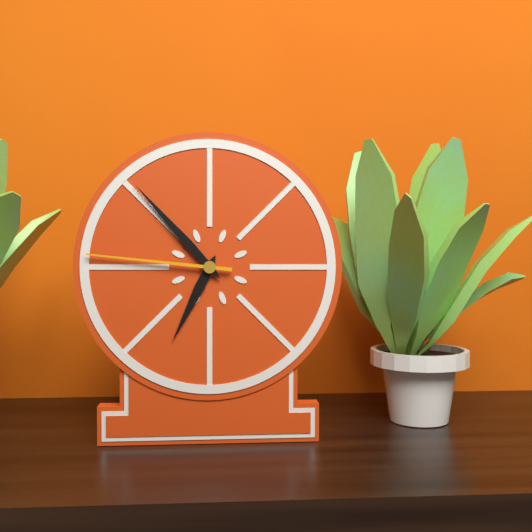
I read 6,53,46
